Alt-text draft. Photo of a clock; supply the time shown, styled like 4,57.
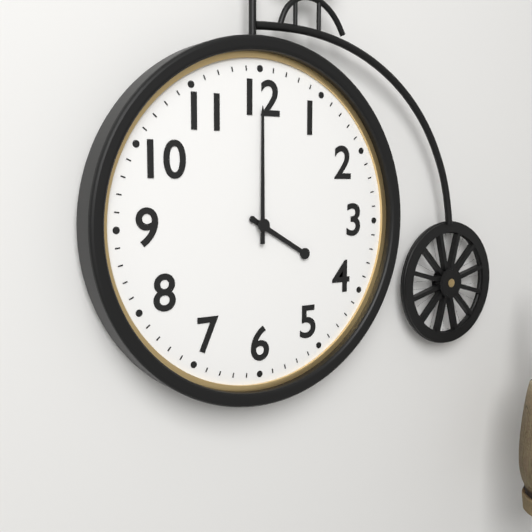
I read 4,00
